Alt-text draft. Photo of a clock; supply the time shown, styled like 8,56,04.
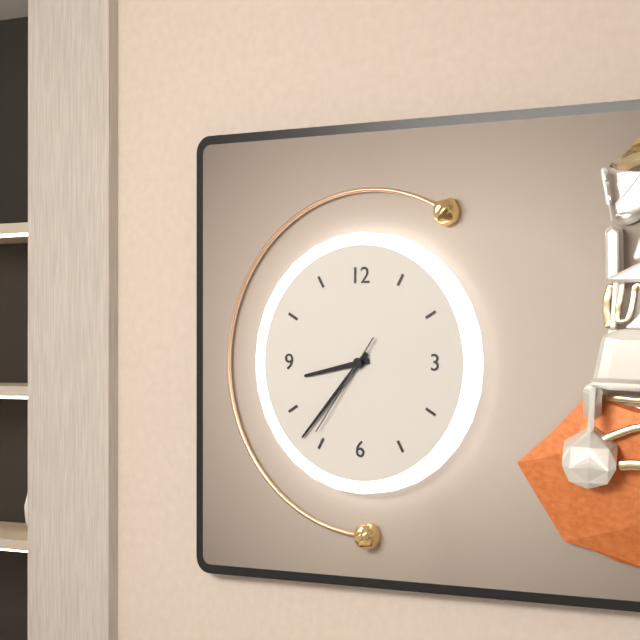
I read 8,37,36
